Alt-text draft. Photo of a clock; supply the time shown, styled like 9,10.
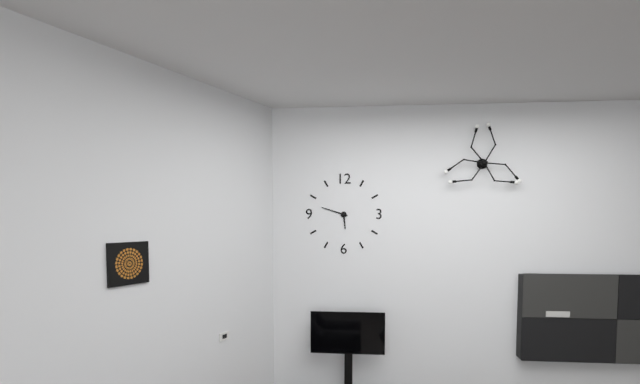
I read 5,48
